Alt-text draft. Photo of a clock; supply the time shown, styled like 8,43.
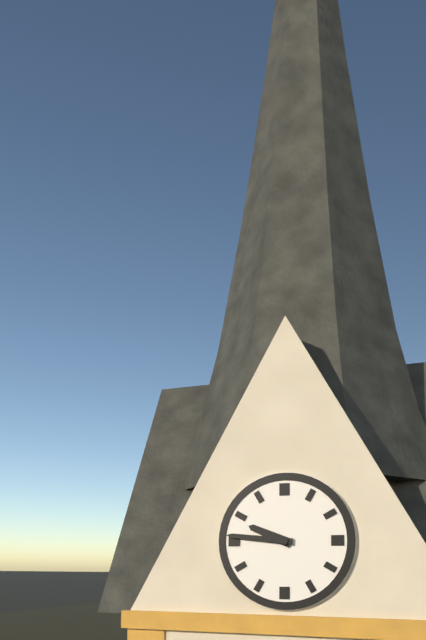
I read 9,46
